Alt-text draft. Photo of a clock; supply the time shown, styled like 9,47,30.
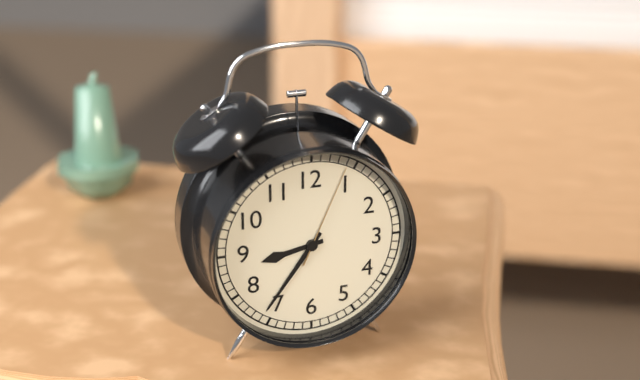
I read 8,36,04
